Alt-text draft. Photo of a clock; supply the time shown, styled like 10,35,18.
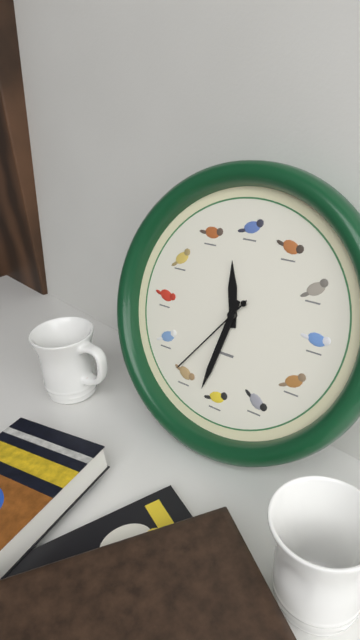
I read 11,32,36
